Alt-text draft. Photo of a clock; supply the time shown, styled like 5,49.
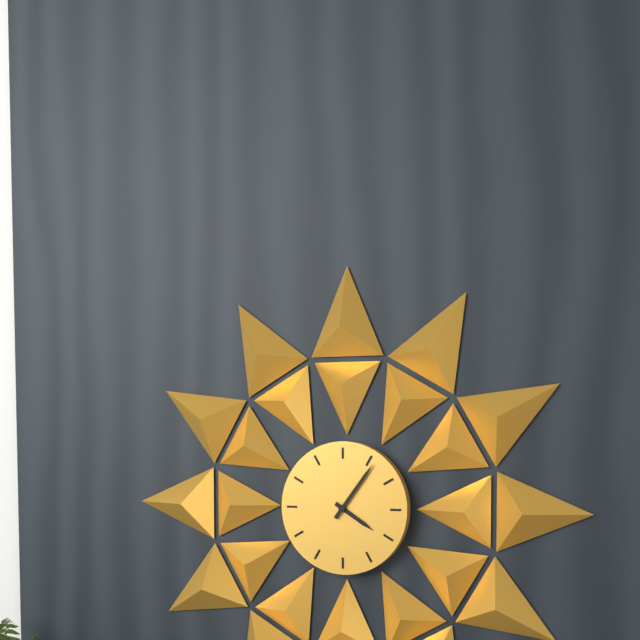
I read 4,06
